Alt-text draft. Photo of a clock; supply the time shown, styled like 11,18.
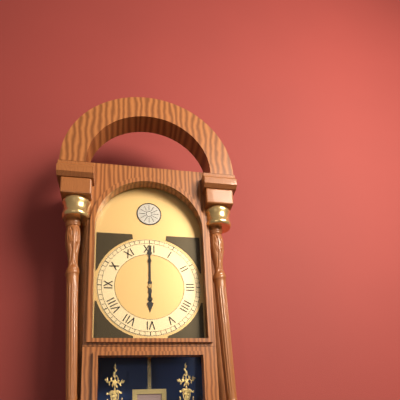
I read 6,00
